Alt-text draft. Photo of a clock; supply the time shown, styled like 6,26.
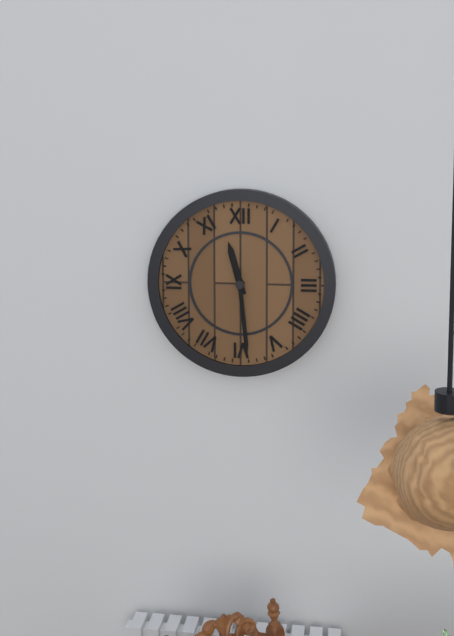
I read 11,29
